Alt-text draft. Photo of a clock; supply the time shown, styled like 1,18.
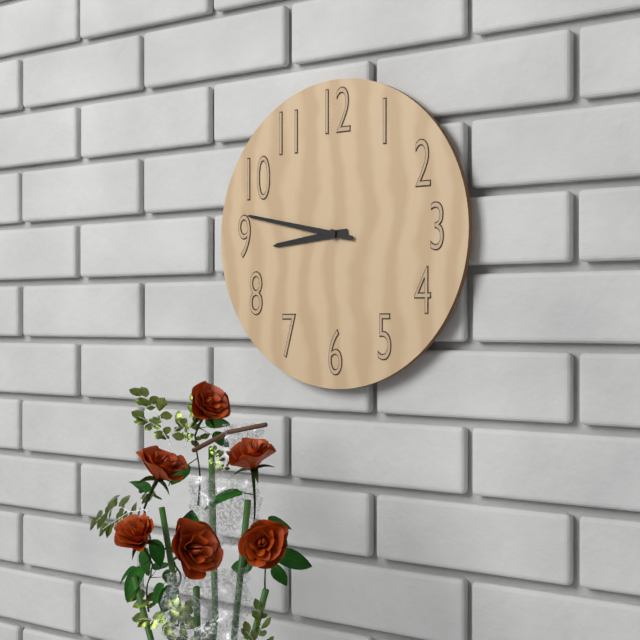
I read 8,47
